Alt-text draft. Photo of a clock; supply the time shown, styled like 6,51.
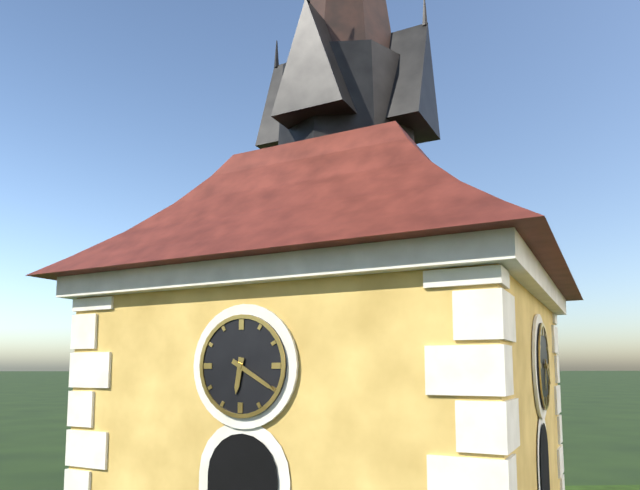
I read 6,20
